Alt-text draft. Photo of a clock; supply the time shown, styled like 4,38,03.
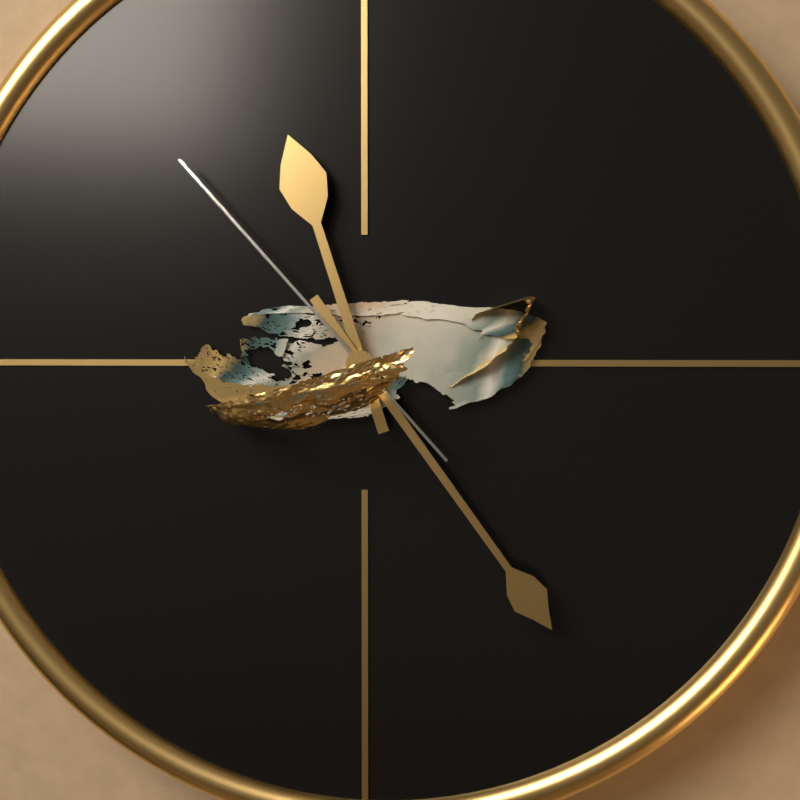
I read 11,24,53
